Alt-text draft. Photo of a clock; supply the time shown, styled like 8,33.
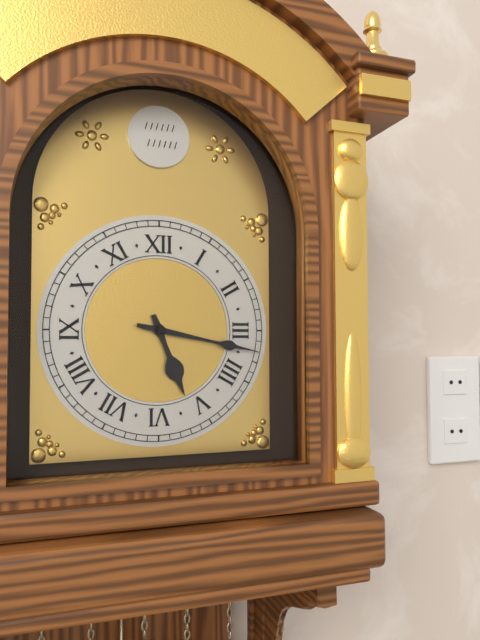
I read 5,17
